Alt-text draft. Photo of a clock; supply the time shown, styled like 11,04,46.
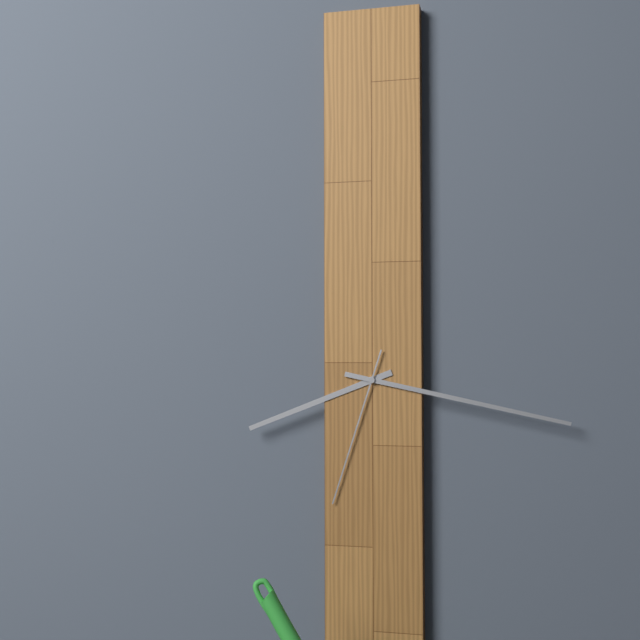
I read 8,17,33
